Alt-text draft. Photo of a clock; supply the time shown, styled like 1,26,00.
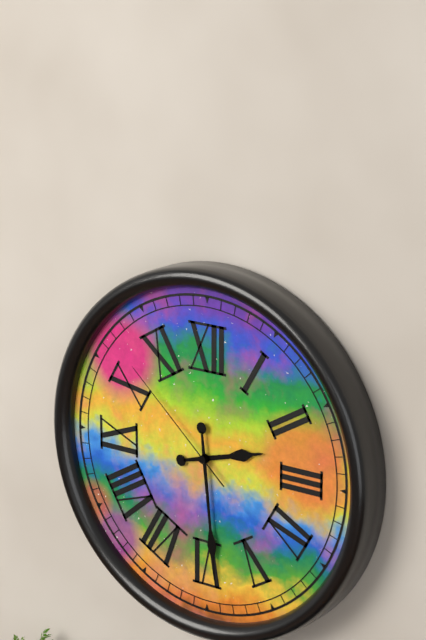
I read 2,29,52
